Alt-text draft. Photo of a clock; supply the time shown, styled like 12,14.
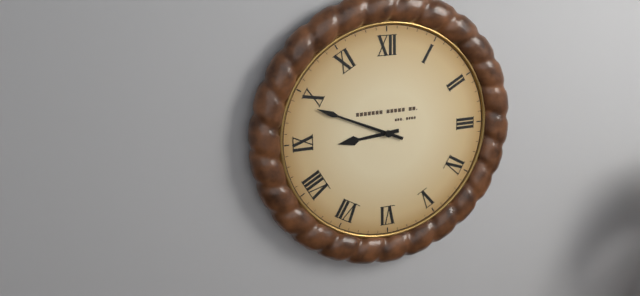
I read 8,49
